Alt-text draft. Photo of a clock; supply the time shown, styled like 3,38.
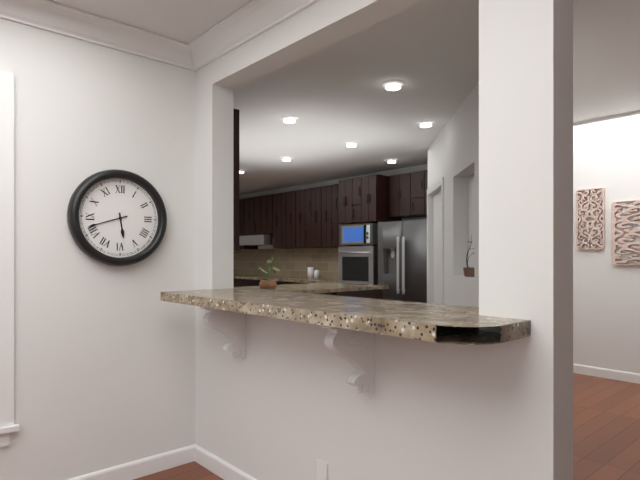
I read 5,42
